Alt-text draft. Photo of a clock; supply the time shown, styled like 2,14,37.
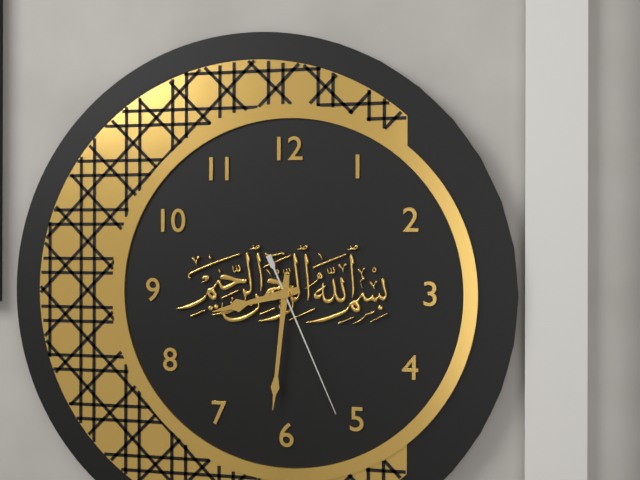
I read 8,31,26
